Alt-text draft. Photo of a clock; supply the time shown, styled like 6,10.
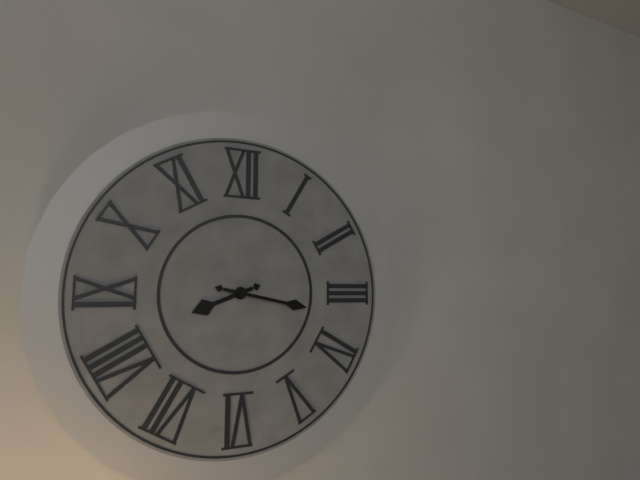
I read 8,17
